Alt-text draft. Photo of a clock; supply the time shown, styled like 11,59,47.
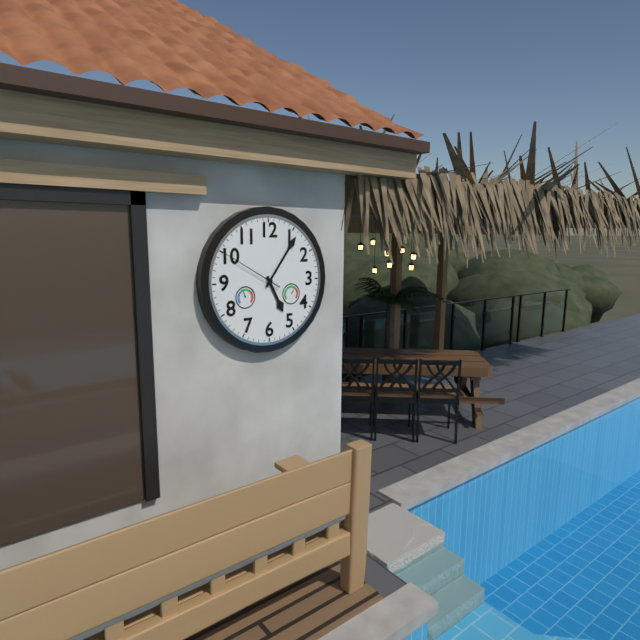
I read 5,06,50
